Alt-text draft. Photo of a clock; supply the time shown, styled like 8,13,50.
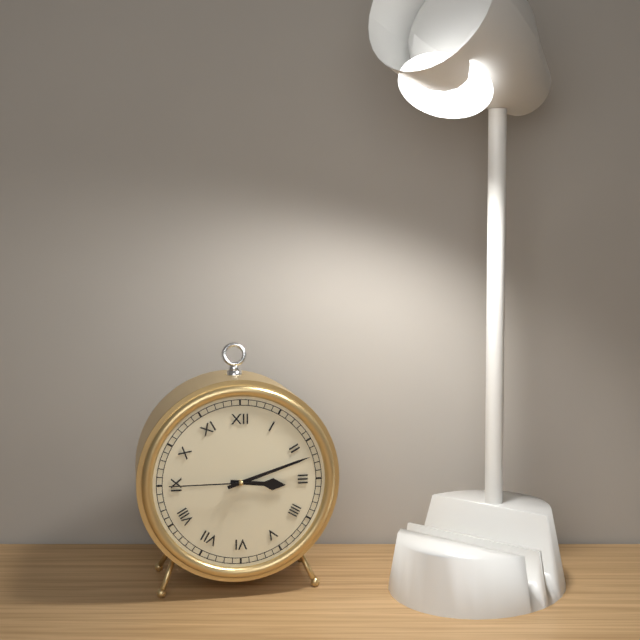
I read 3,12,45
